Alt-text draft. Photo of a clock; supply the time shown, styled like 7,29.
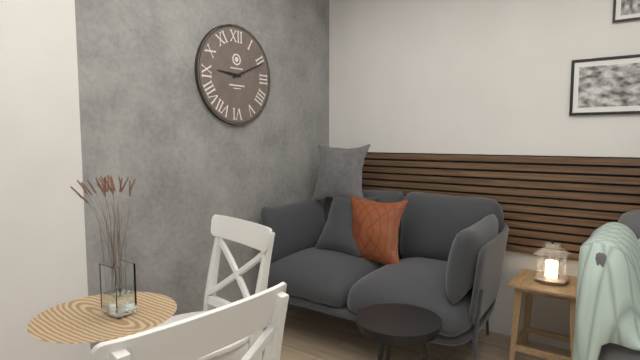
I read 9,11
